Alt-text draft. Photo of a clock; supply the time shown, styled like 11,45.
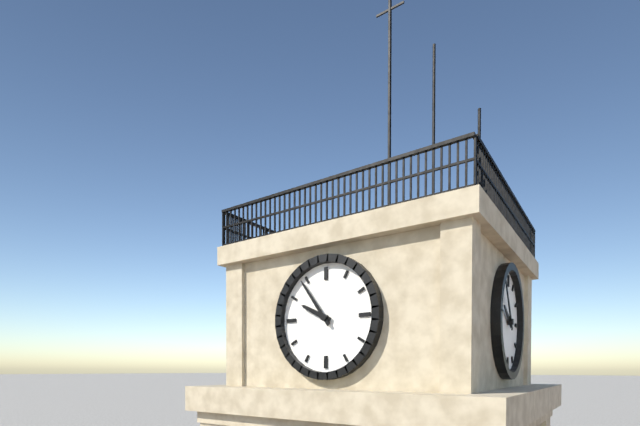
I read 9,54
